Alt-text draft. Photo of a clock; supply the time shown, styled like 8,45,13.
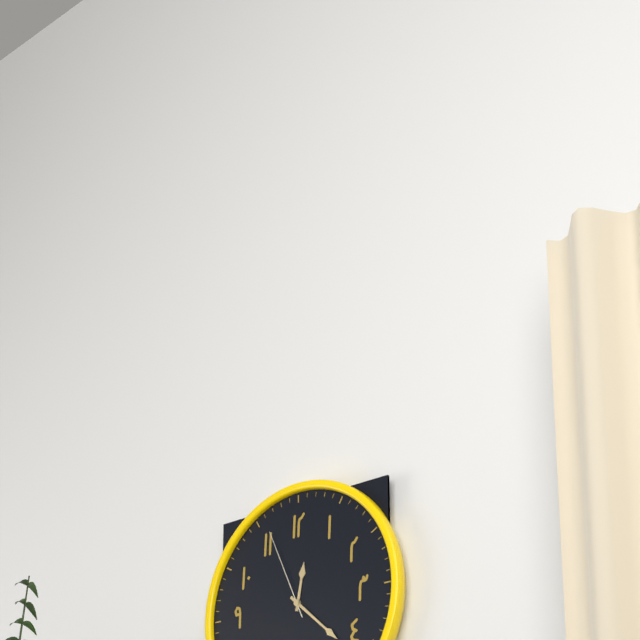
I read 12,22,56
